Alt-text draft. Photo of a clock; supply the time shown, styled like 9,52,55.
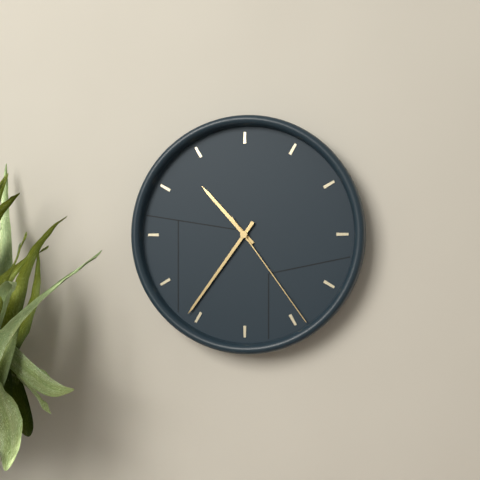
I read 10,36,24
